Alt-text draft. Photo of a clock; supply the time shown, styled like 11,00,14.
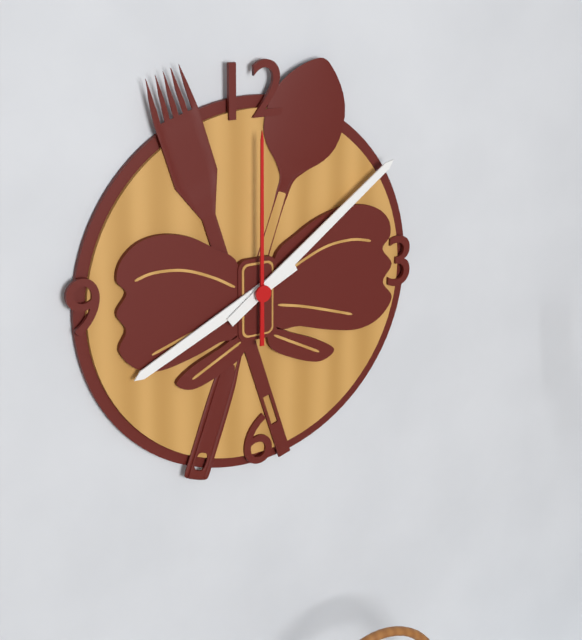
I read 8,09,00
